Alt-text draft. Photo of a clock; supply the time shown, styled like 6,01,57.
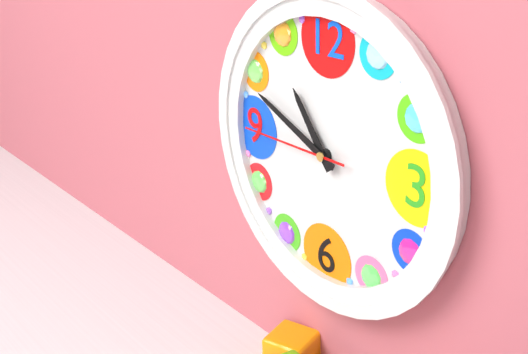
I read 10,49,45
